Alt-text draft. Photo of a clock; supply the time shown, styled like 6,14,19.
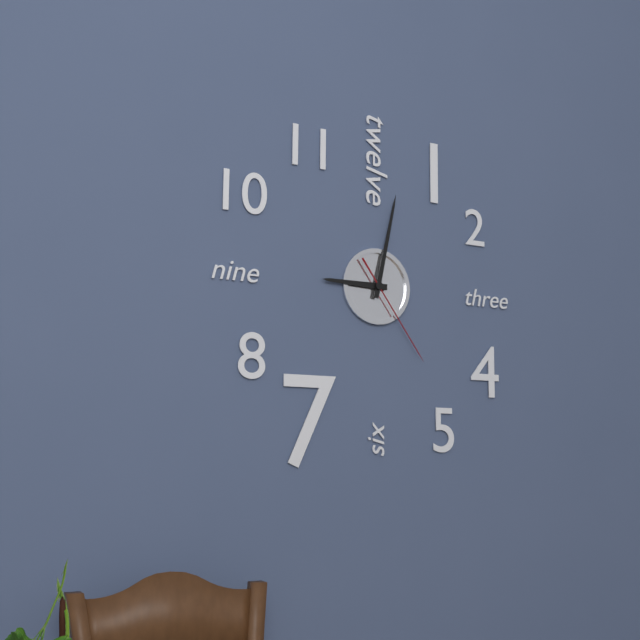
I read 9,02,24
